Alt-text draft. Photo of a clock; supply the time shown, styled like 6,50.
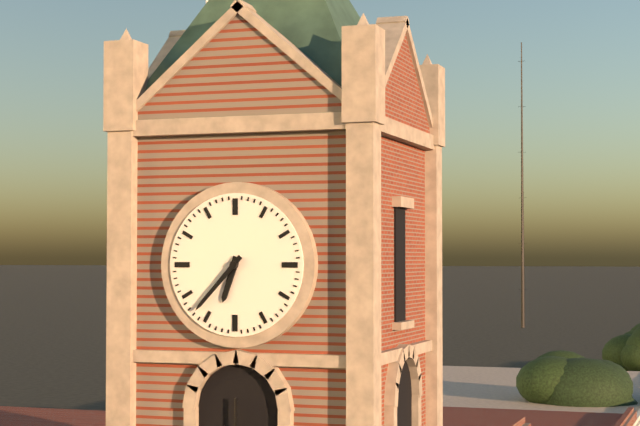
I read 6,37
